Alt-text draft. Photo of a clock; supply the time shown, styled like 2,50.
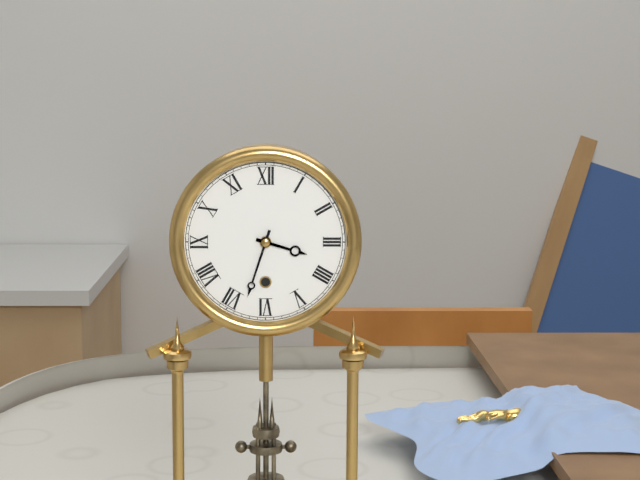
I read 3,33
